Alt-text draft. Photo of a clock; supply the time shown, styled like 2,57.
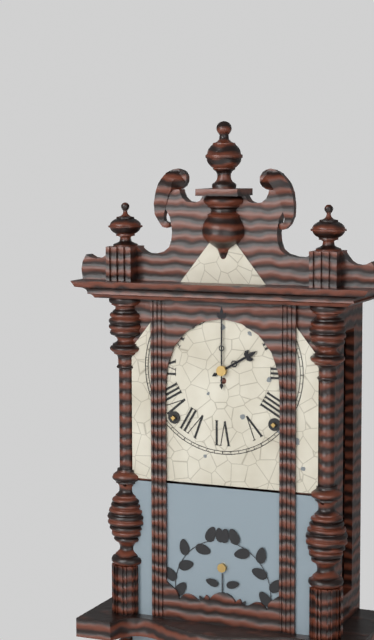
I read 2,00
